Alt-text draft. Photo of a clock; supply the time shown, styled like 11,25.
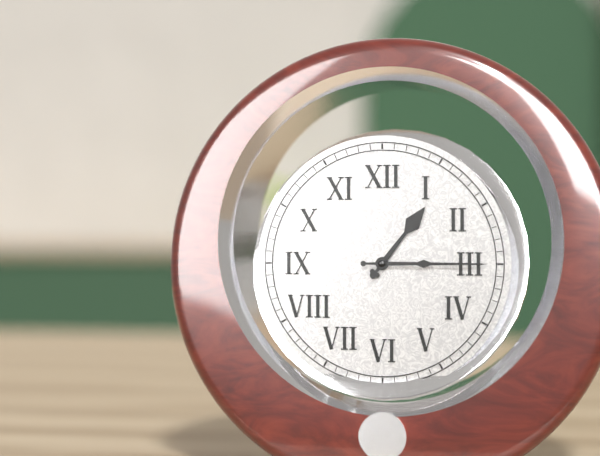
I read 1,15
